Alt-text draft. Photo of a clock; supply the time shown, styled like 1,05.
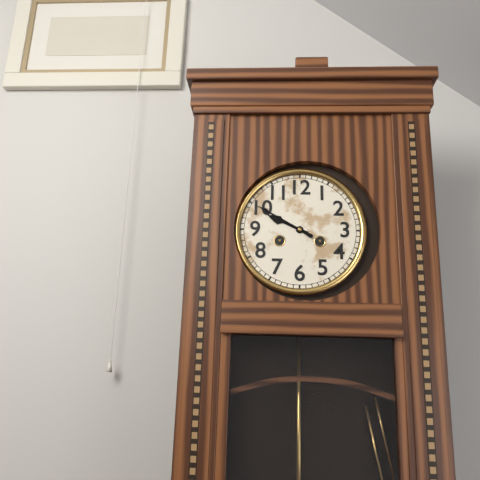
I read 9,50
